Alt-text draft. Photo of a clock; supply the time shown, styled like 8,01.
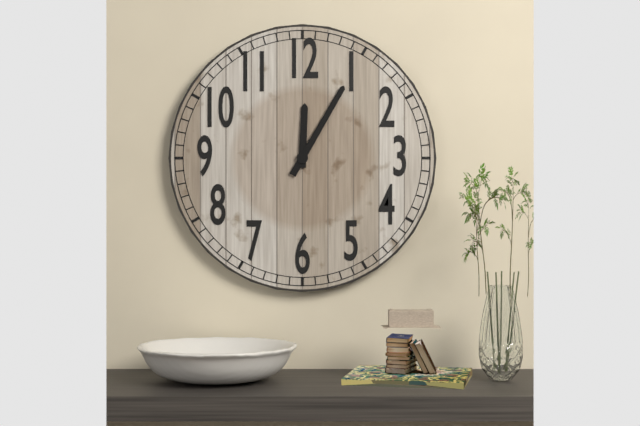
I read 12,05
